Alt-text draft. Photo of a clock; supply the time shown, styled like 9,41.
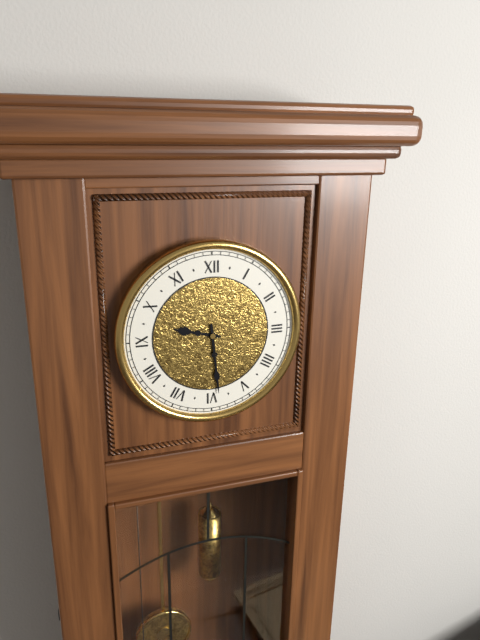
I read 9,29
